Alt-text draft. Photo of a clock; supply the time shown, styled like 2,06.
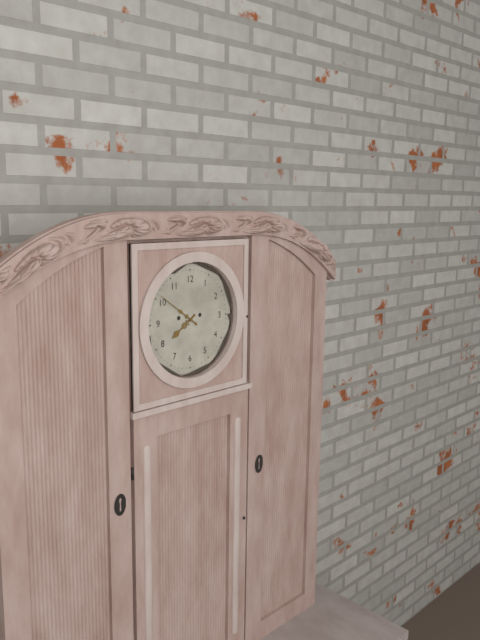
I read 7,51
